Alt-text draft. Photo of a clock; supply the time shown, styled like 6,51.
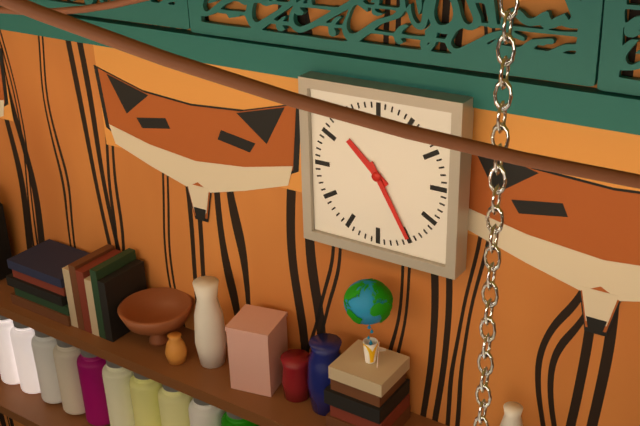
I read 10,25
